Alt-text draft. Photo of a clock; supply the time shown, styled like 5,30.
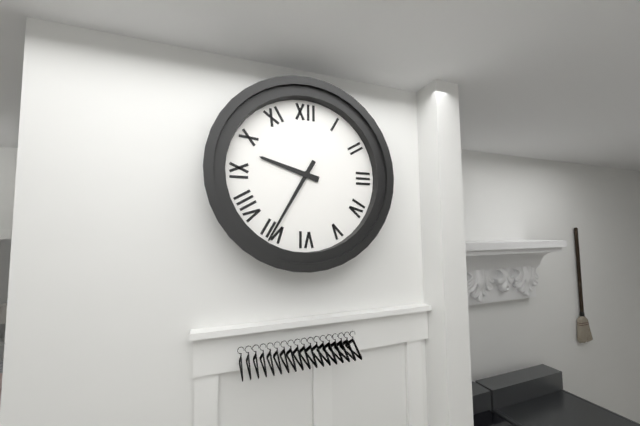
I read 9,35
